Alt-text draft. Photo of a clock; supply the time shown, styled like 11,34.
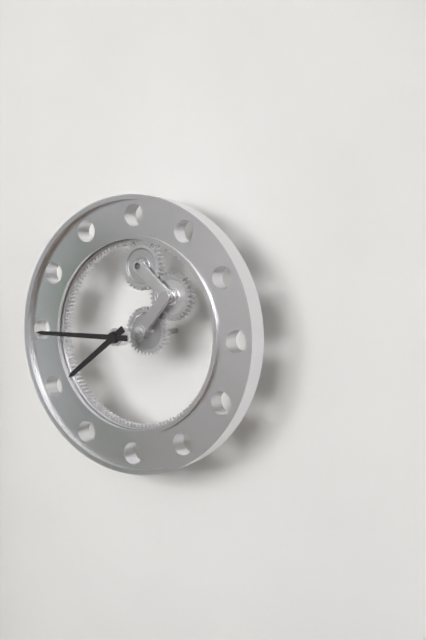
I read 7,45
